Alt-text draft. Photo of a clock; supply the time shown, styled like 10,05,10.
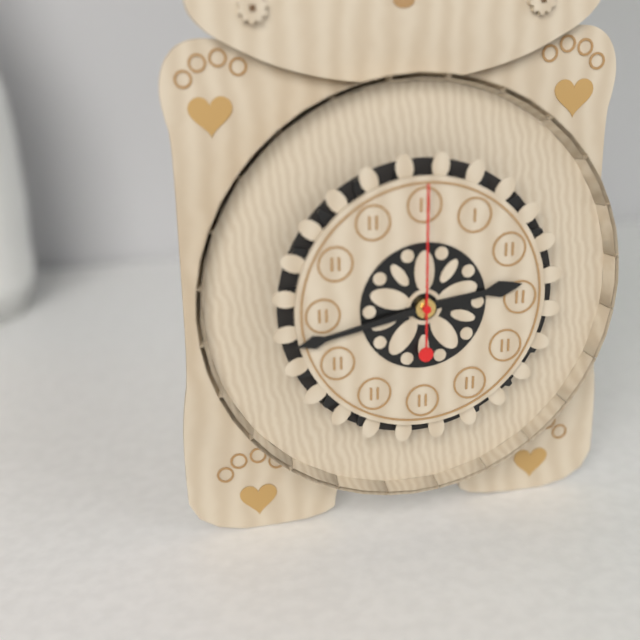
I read 2,43,00
